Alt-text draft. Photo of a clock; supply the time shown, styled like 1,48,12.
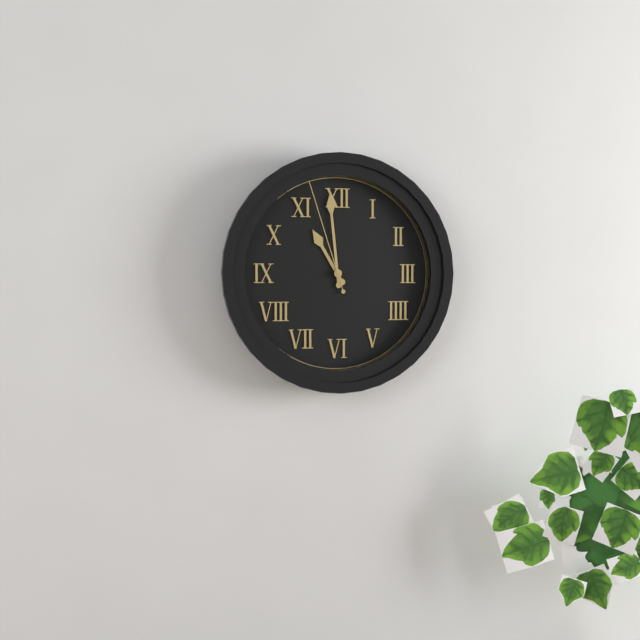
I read 10,59,57
